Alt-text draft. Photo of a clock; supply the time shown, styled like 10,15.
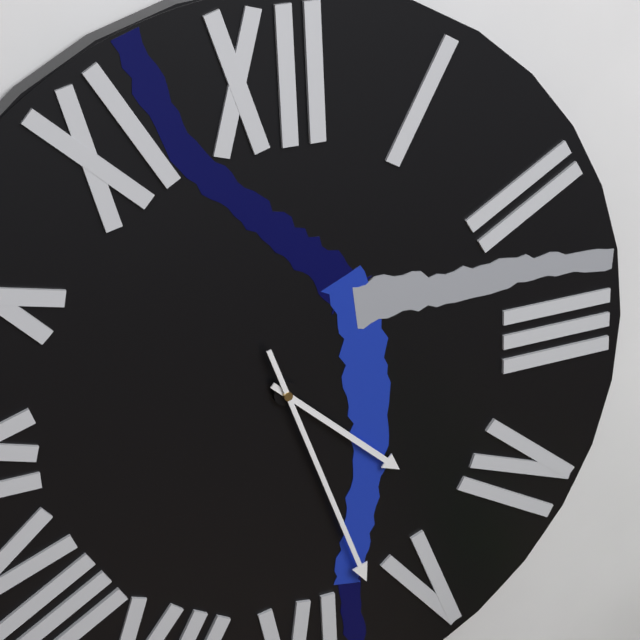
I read 4,27
